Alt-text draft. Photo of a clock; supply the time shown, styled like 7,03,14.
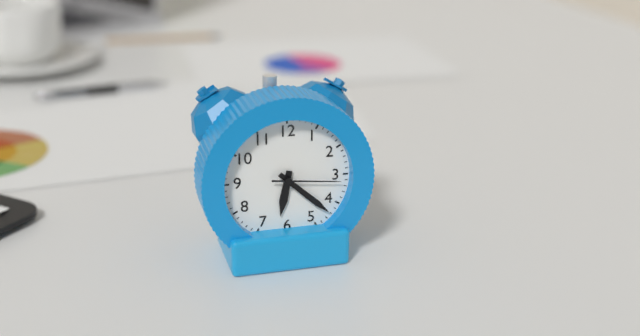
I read 6,22,16
